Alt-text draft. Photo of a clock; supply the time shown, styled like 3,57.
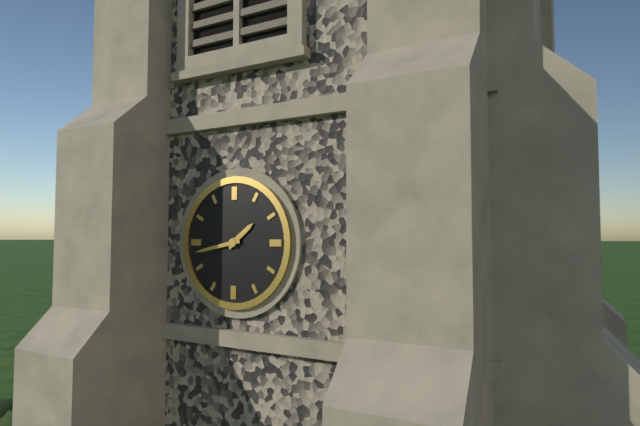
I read 1,43
